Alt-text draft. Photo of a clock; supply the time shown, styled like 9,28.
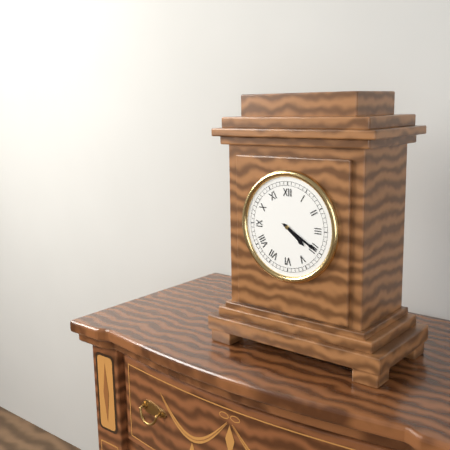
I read 4,20
